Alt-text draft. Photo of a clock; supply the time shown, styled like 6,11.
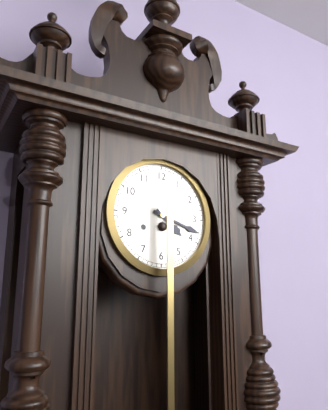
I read 4,18
